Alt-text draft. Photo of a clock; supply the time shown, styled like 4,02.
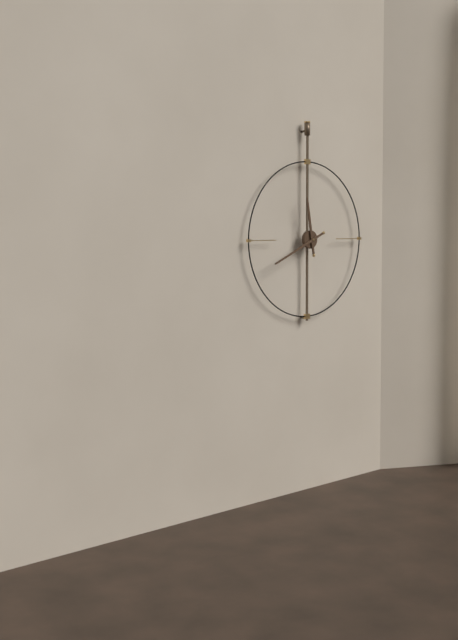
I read 11,41
